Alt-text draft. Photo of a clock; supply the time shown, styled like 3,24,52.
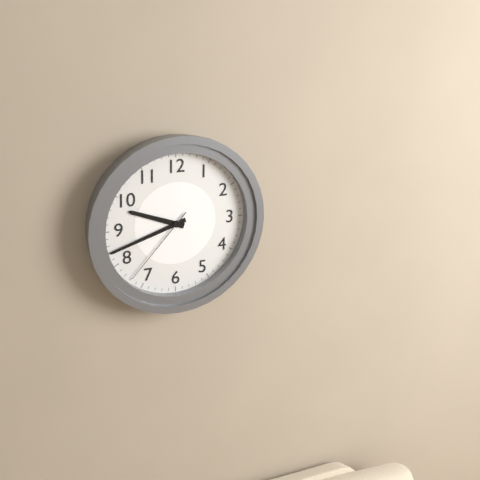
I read 9,42,37
